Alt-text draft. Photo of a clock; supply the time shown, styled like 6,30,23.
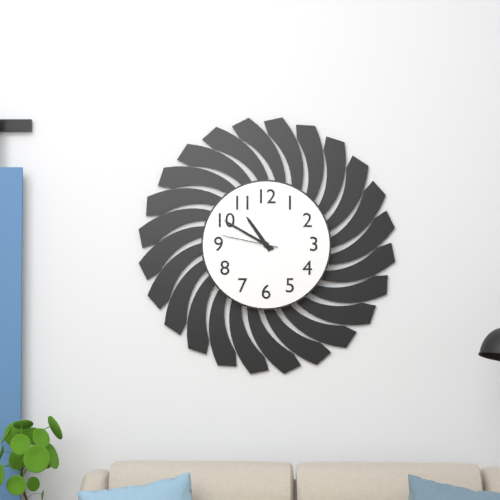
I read 10,50,47
